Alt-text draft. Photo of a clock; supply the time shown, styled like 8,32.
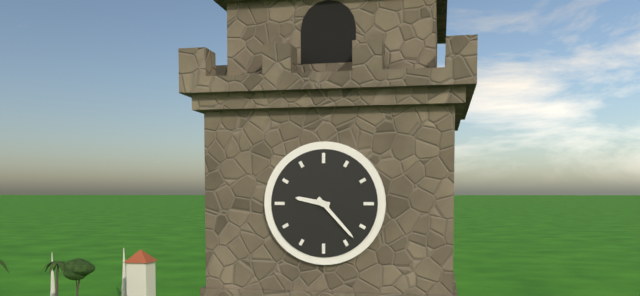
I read 9,23
